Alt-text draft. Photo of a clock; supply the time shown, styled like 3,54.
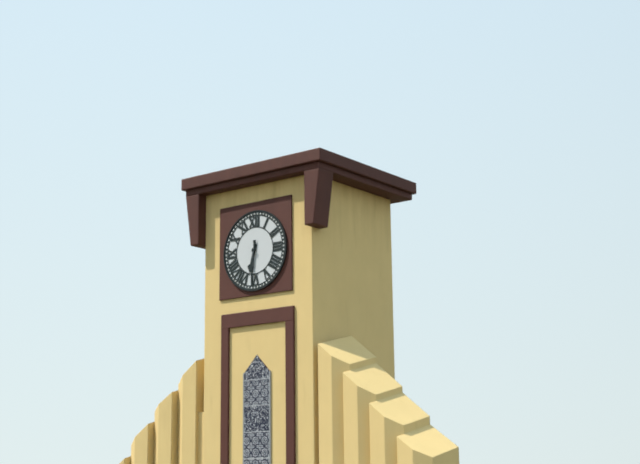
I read 6,31
